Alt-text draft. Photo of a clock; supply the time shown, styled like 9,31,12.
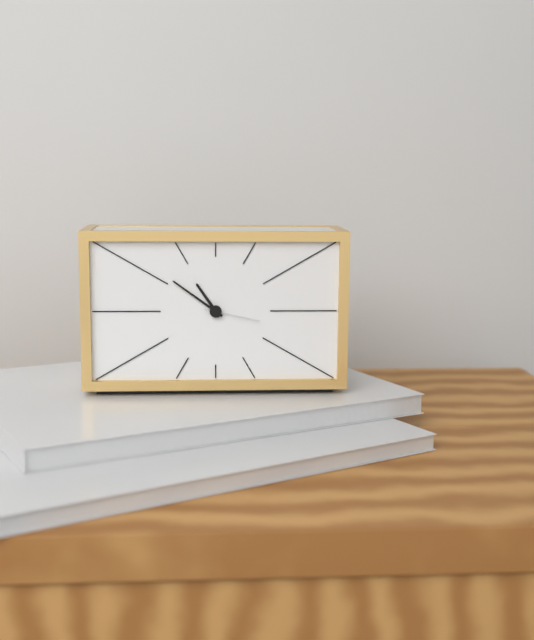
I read 10,51,17
